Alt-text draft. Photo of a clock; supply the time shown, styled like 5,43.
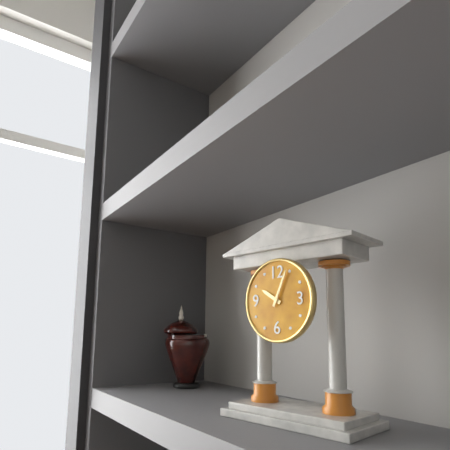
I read 10,04
